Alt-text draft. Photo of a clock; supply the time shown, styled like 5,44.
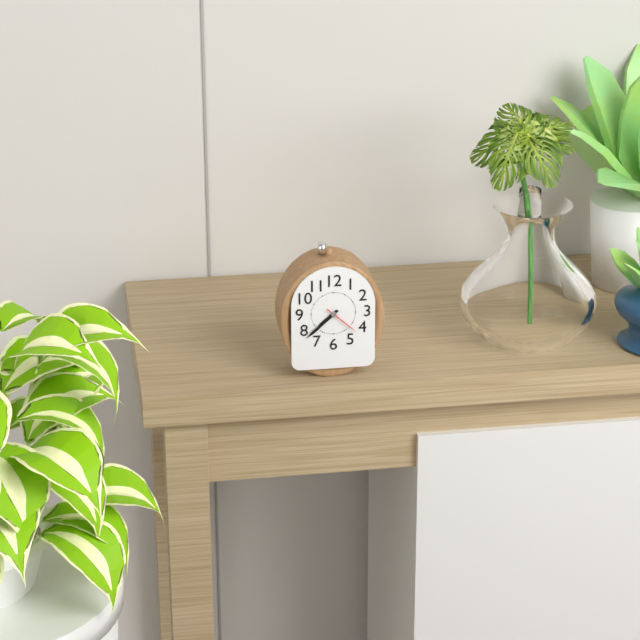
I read 7,38
